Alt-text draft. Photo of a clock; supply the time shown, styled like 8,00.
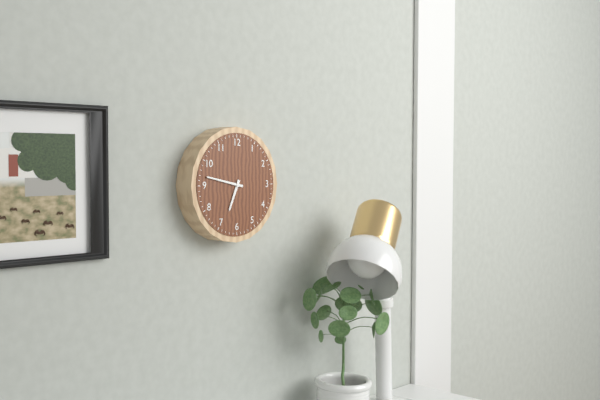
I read 6,47
